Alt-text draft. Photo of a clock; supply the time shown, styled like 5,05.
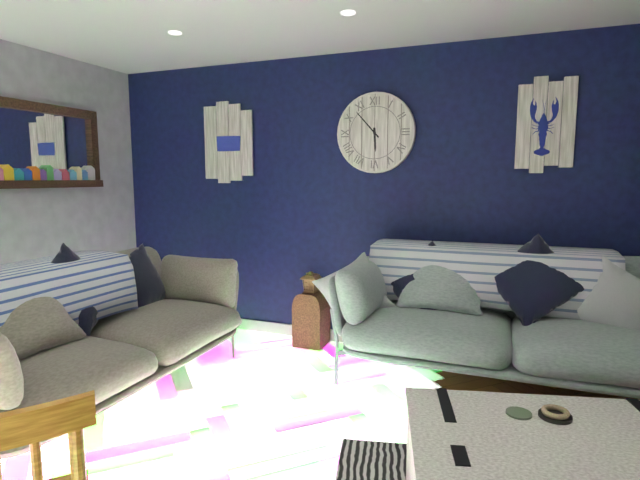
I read 5,53
